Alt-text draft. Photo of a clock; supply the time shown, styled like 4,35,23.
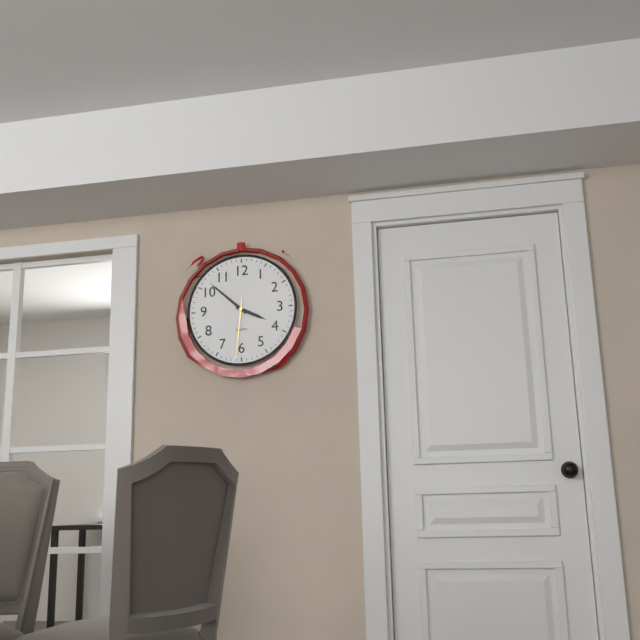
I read 3,52,31
